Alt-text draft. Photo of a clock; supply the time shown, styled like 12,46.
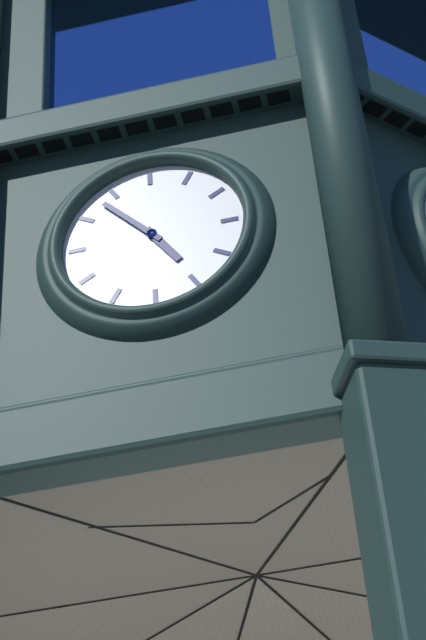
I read 4,53
